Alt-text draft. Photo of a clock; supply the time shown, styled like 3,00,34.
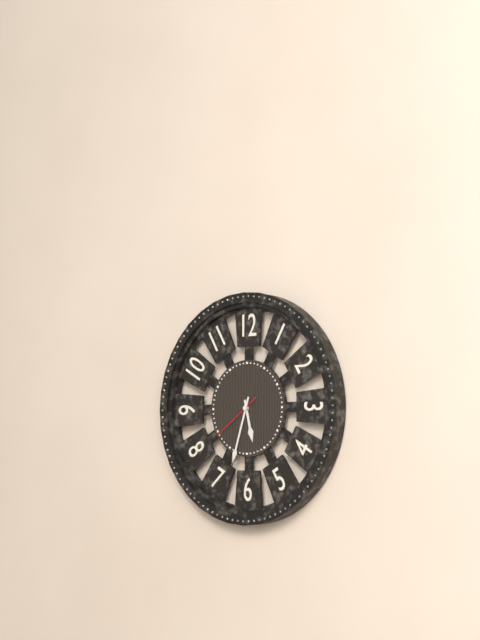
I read 5,33,39
